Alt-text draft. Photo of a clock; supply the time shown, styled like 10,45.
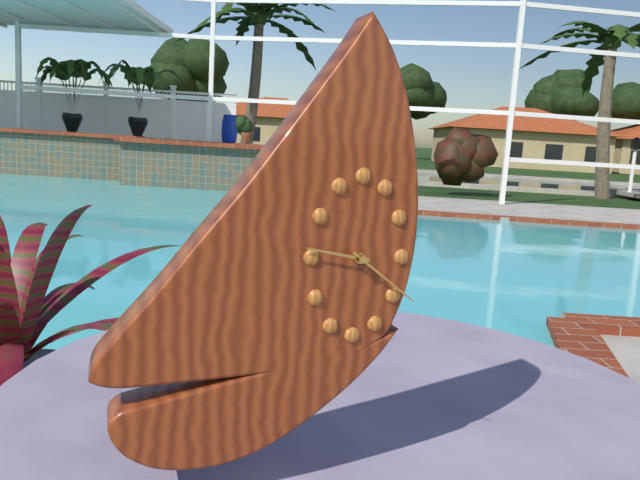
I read 9,21
